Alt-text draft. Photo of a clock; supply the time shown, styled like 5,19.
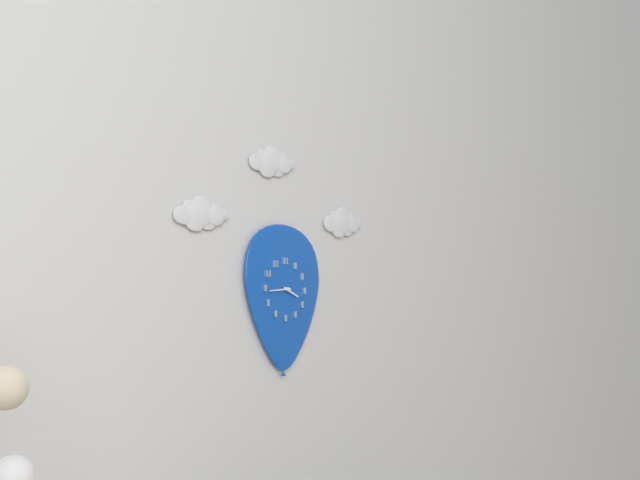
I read 3,44
